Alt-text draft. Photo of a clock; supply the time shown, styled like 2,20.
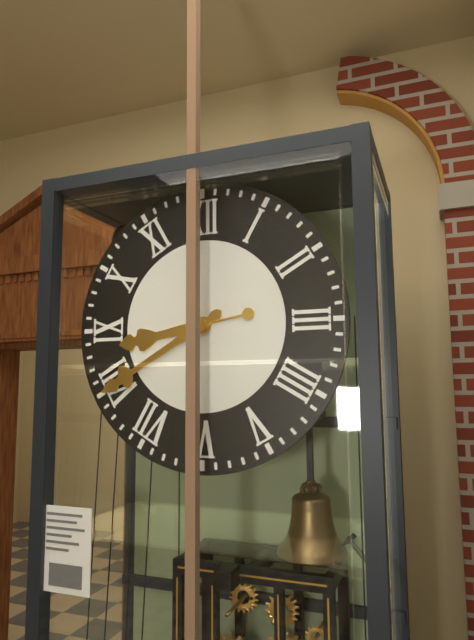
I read 8,40
